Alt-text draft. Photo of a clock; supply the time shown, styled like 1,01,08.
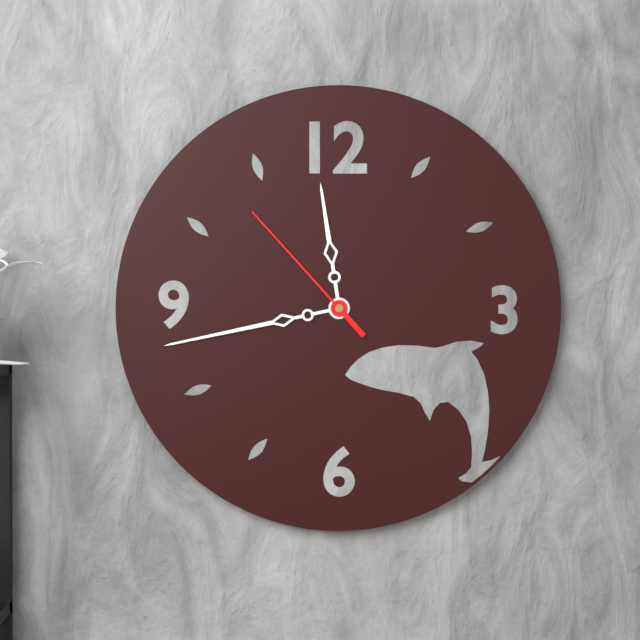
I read 11,43,53
